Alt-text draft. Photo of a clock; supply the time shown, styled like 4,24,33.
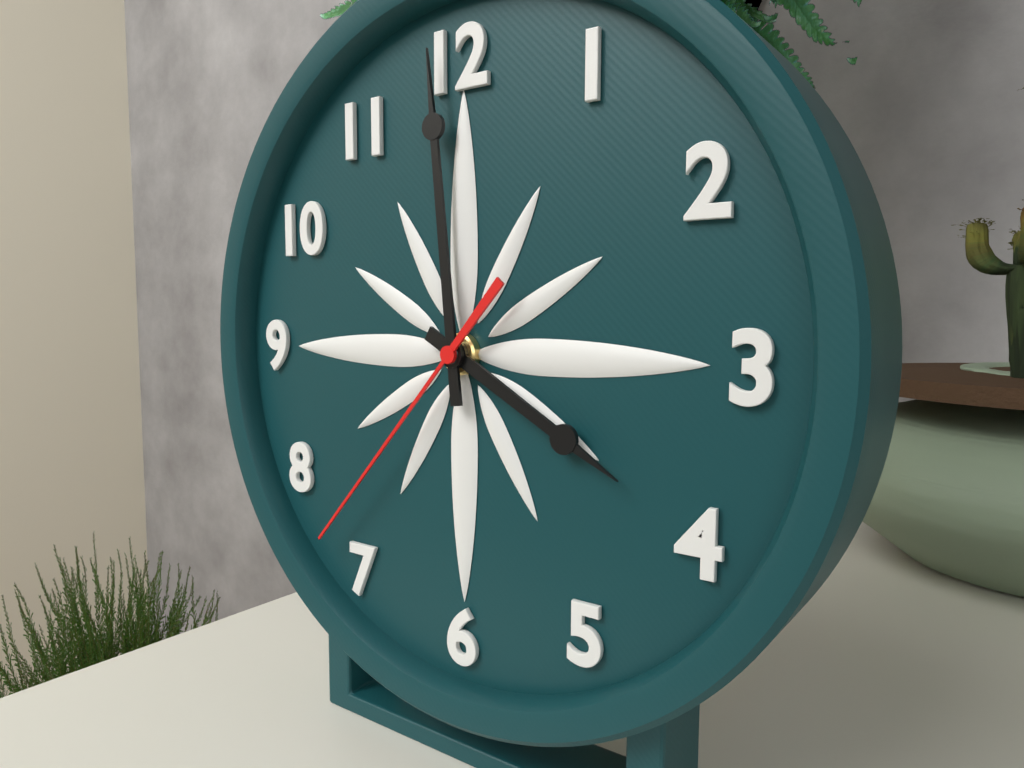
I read 3,59,37
